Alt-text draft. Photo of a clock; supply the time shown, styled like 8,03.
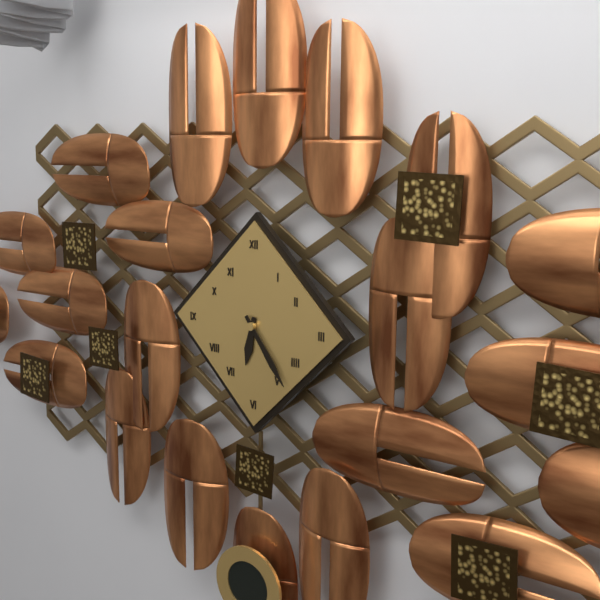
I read 6,24
